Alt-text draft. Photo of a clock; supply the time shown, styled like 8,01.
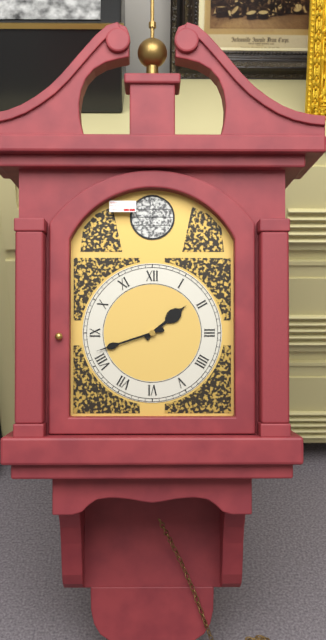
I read 1,42
